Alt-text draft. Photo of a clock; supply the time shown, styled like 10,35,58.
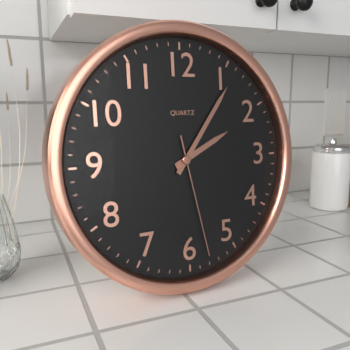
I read 2,06,28
